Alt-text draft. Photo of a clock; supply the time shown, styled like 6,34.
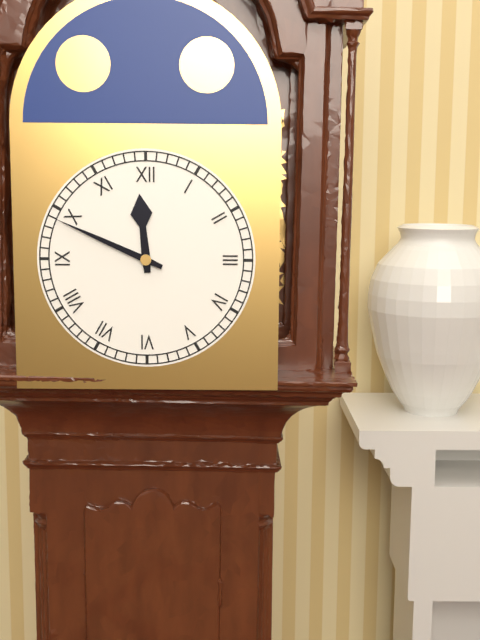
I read 11,49
